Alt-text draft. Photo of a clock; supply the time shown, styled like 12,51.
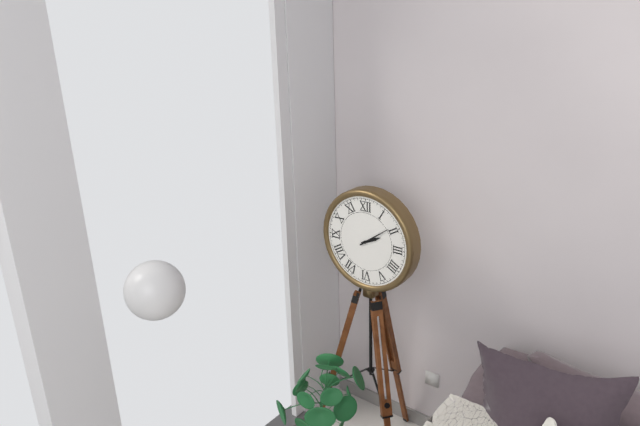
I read 2,09
